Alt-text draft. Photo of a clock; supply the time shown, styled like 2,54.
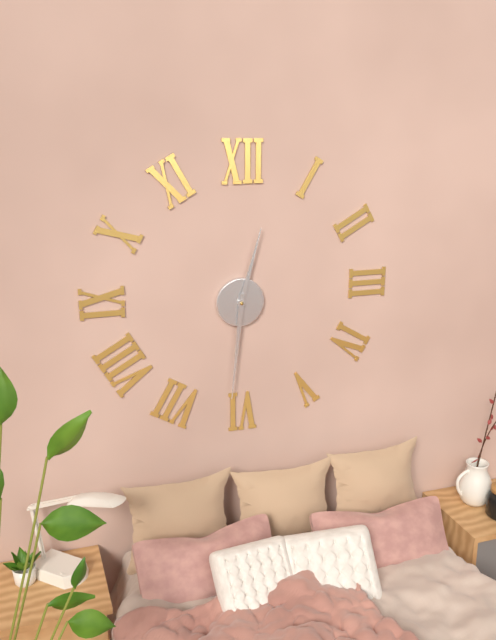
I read 12,31
